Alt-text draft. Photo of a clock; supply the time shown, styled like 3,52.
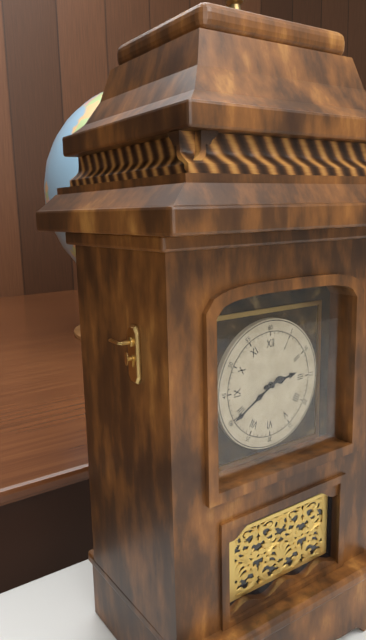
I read 2,40
